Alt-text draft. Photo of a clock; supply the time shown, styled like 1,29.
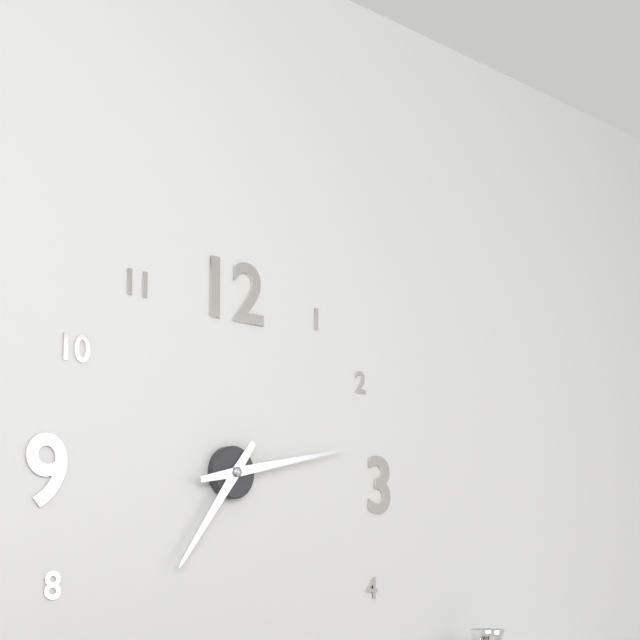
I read 7,13
